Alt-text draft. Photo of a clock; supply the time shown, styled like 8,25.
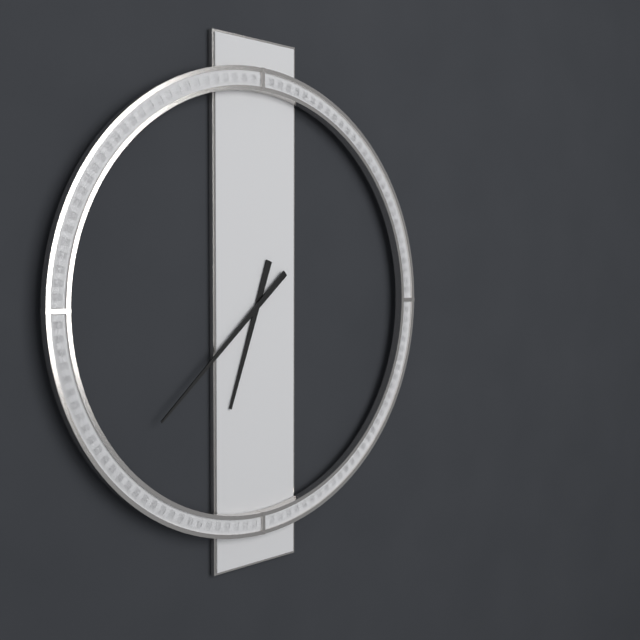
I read 6,38
